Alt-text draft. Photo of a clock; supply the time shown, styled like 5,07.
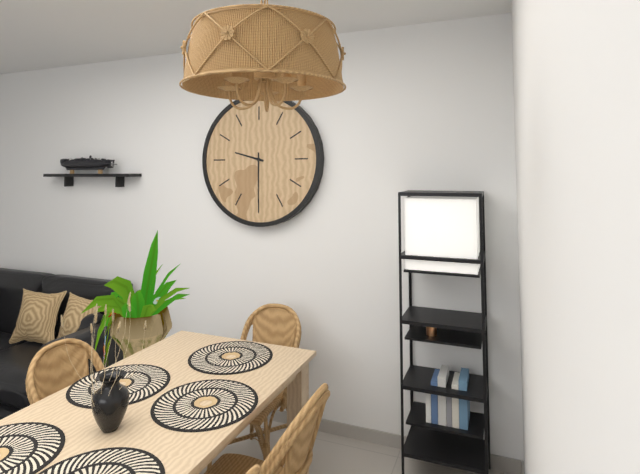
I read 9,30
